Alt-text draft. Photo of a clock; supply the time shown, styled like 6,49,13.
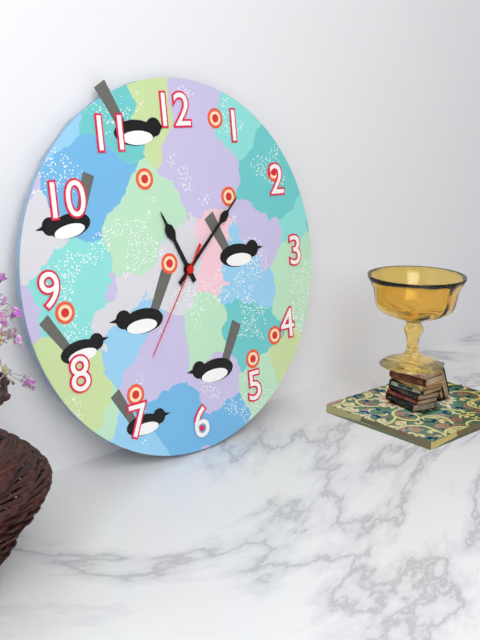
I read 11,08,36
